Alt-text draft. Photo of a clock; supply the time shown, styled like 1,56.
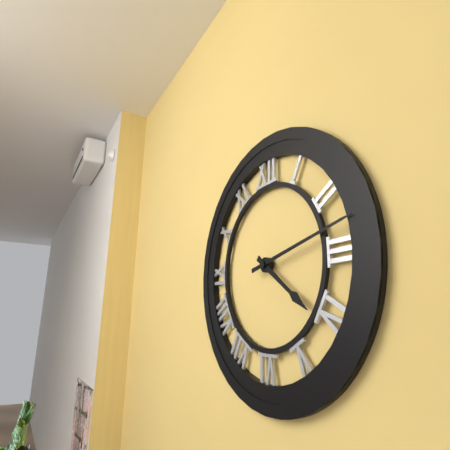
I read 4,13
